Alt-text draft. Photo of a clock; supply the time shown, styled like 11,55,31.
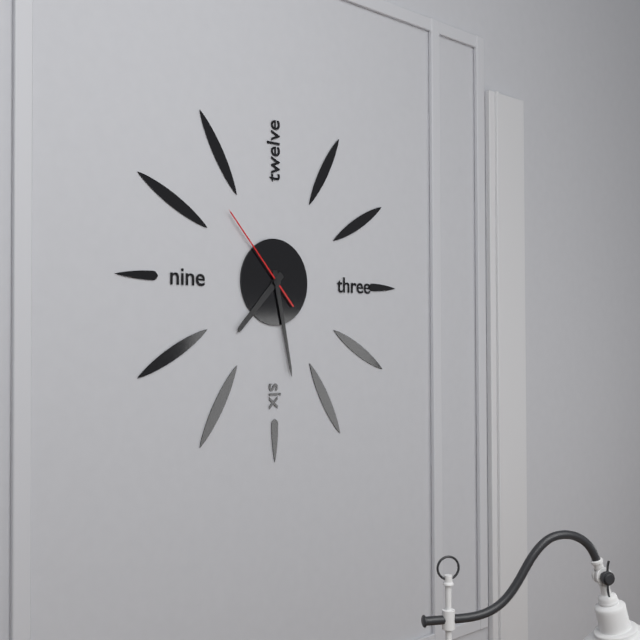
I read 7,28,53
